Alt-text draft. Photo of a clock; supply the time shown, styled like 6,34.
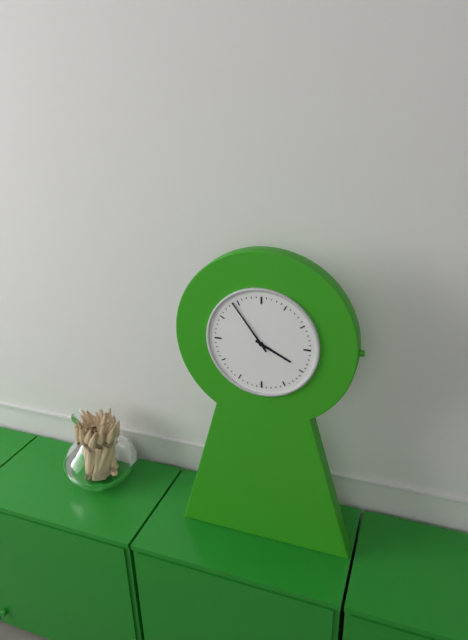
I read 3,54
